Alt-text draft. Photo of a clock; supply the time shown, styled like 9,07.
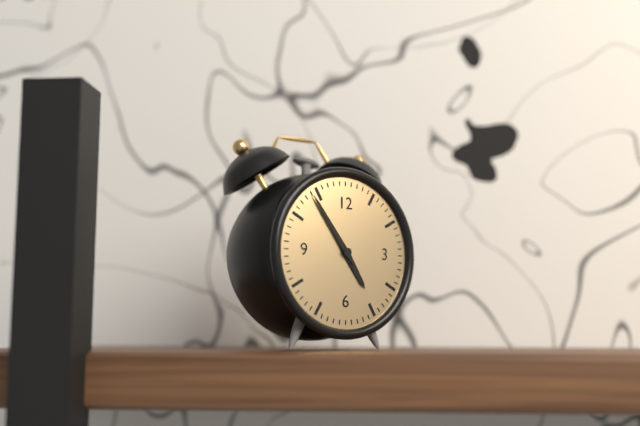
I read 4,54
